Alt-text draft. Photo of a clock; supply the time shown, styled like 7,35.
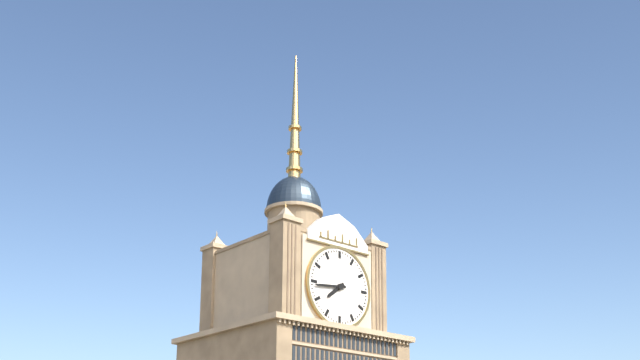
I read 7,44
